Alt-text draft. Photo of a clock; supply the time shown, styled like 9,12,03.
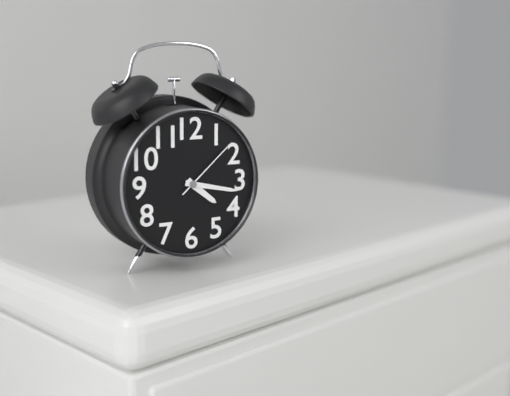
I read 4,17,08
